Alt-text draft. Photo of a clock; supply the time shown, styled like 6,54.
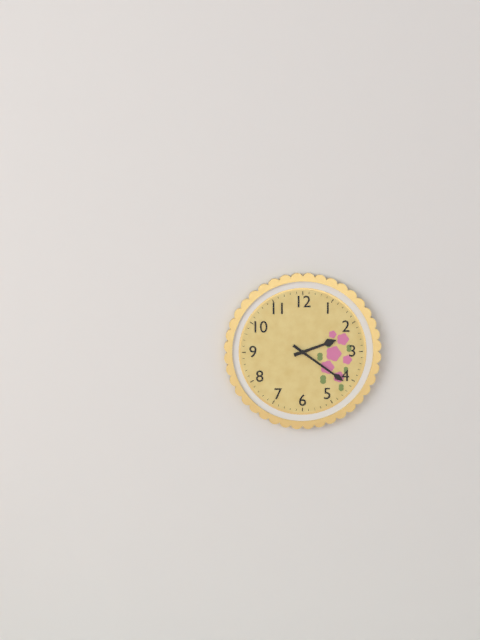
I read 2,21
